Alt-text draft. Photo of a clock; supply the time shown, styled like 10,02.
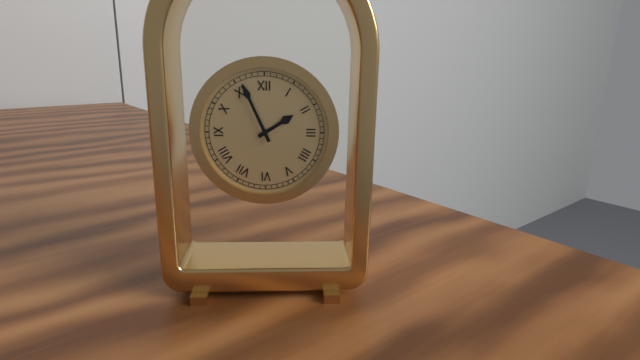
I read 1,56
